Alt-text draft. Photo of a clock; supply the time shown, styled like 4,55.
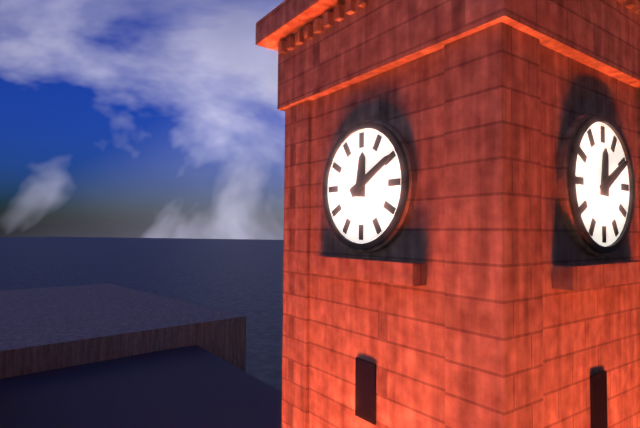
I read 12,10
